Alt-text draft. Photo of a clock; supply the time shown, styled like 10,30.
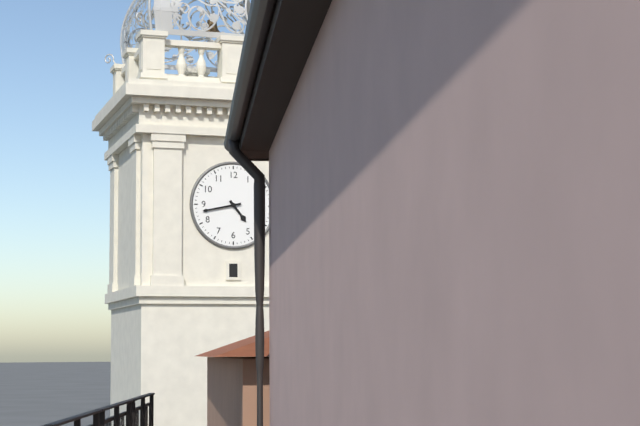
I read 4,43
